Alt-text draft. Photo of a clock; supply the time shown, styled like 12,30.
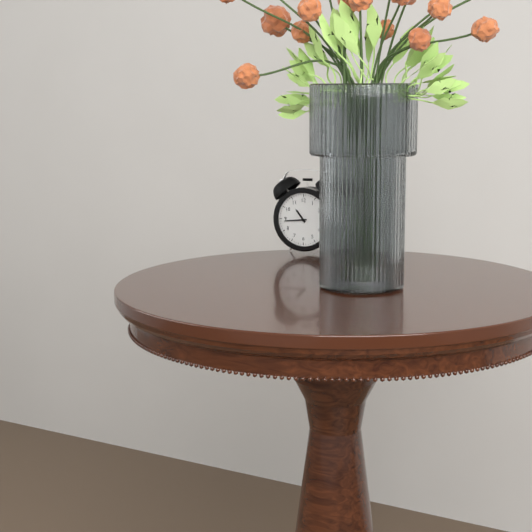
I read 10,44
